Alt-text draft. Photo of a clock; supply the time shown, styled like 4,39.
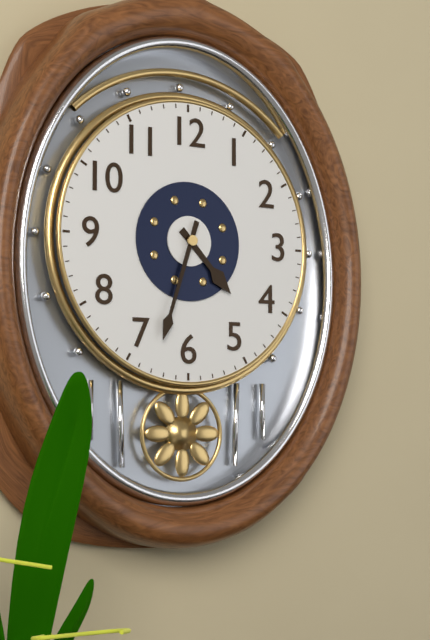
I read 4,33
